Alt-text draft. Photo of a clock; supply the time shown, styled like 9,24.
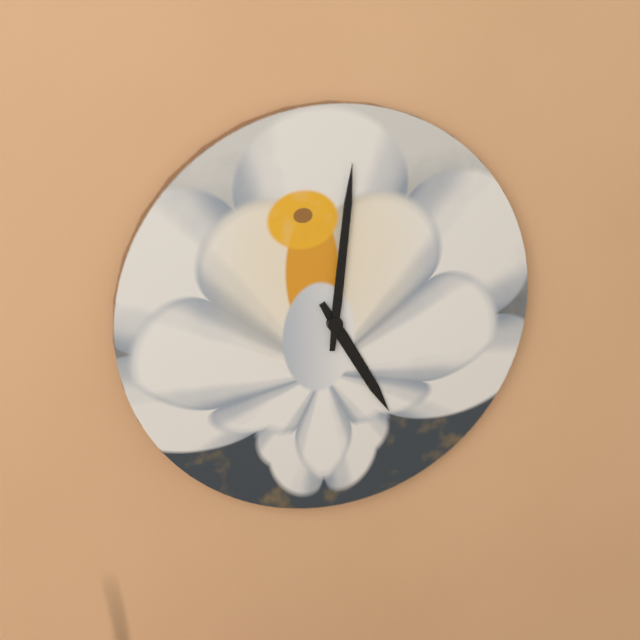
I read 5,01
